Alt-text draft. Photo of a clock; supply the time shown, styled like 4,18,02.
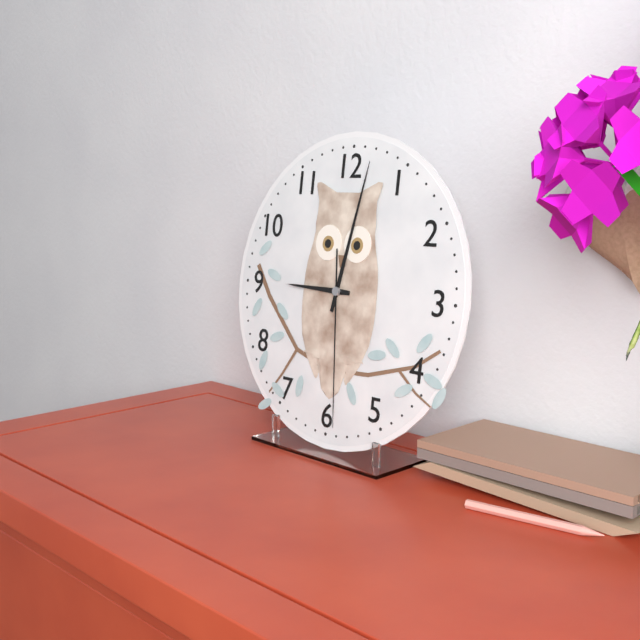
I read 9,02,29
